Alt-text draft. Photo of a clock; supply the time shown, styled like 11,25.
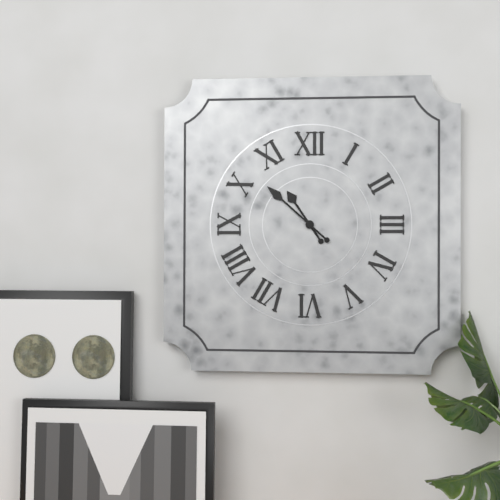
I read 10,52
